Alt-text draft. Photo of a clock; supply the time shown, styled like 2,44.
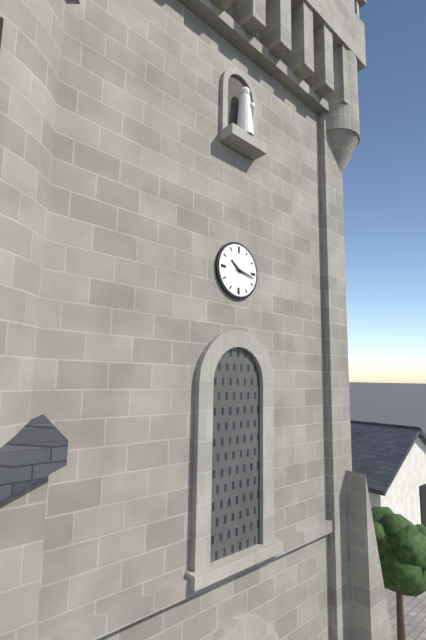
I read 10,17
